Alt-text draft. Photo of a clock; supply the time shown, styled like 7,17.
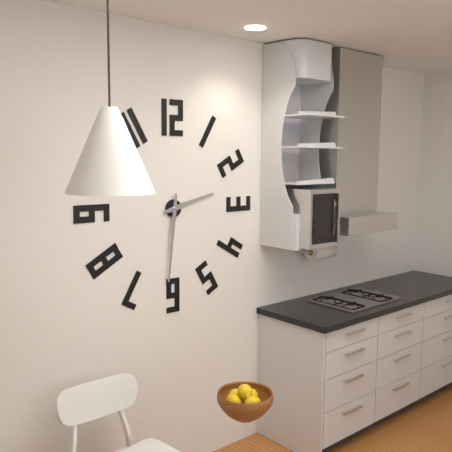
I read 2,31
